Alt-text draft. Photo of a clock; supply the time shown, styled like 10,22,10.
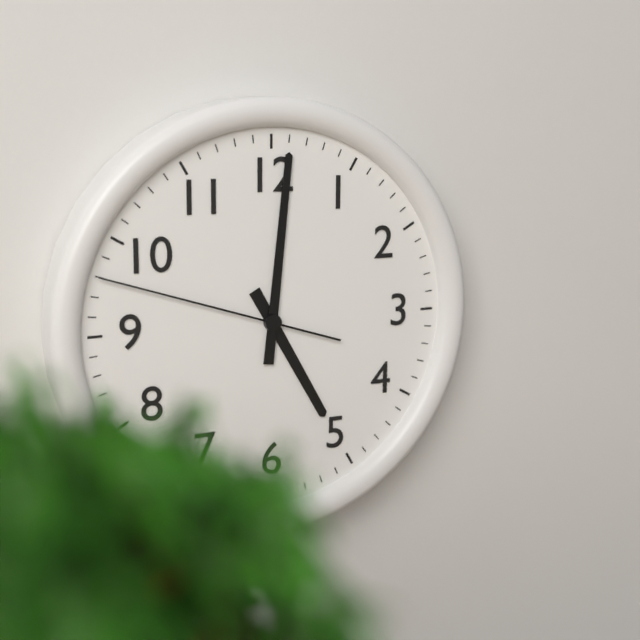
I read 5,01,48
